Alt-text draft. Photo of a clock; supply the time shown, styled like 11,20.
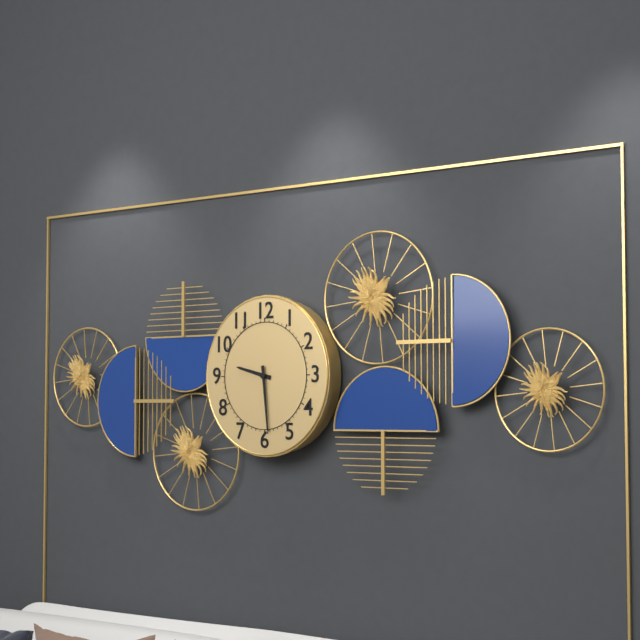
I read 9,29
